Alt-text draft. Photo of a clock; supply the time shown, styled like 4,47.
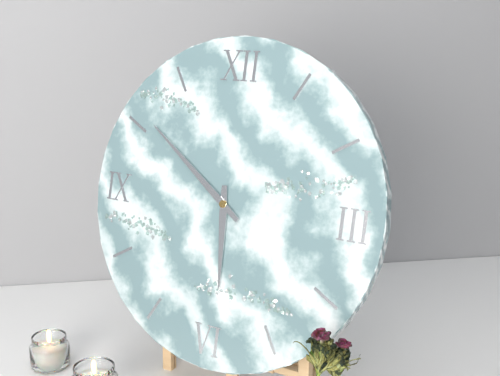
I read 5,51
